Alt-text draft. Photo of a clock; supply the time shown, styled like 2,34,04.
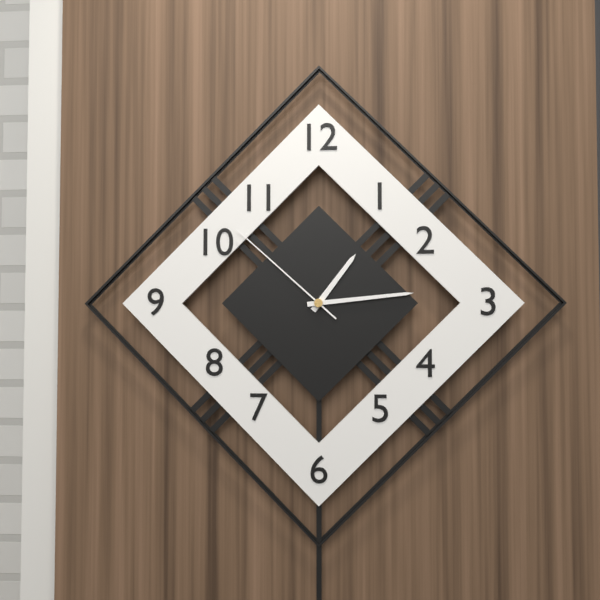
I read 1,14,52
